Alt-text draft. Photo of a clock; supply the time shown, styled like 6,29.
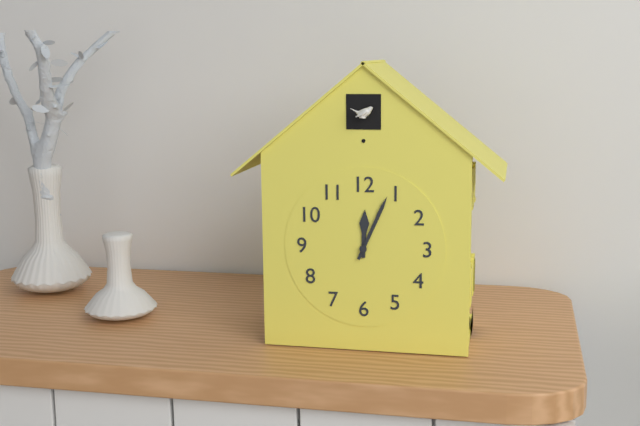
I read 12,04
